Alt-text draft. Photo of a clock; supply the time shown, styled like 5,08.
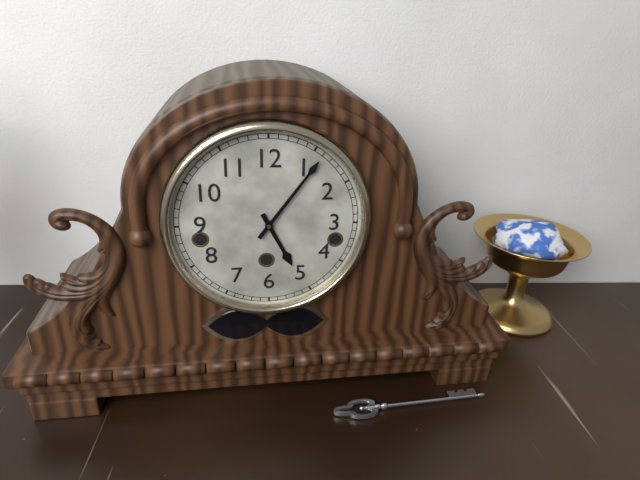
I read 5,06
